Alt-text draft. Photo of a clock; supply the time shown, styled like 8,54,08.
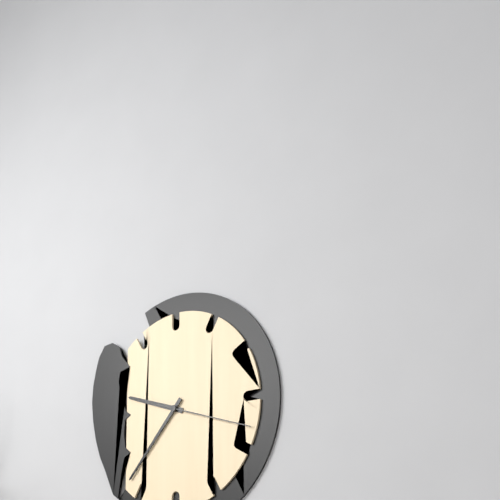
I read 9,37,18
